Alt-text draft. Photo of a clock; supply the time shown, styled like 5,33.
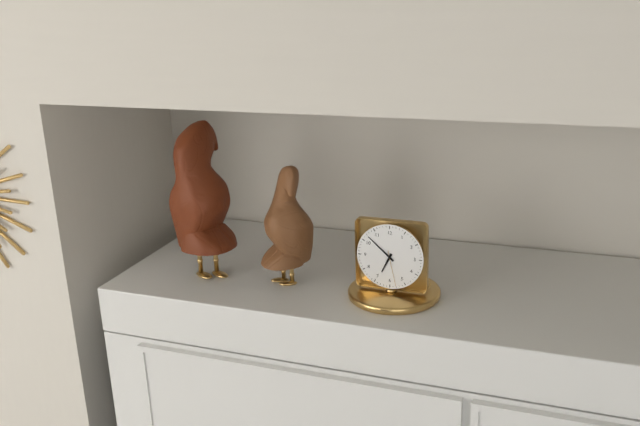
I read 6,52
